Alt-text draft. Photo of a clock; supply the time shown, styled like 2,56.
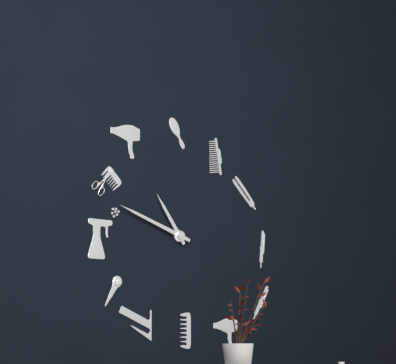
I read 10,48
